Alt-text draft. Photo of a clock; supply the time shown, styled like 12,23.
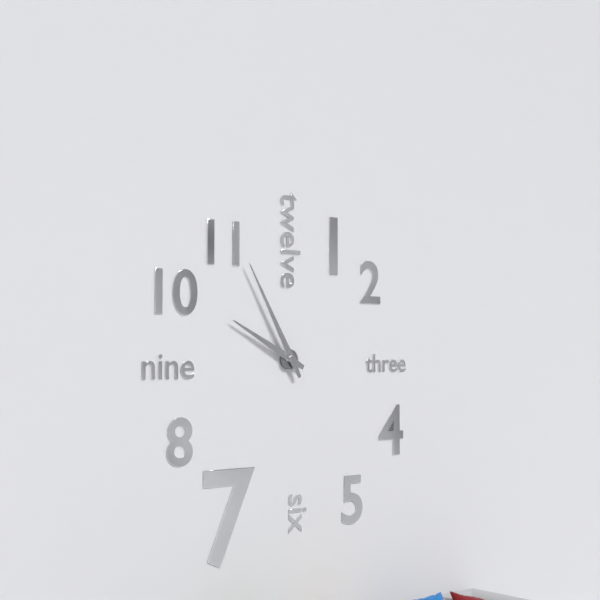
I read 9,55
